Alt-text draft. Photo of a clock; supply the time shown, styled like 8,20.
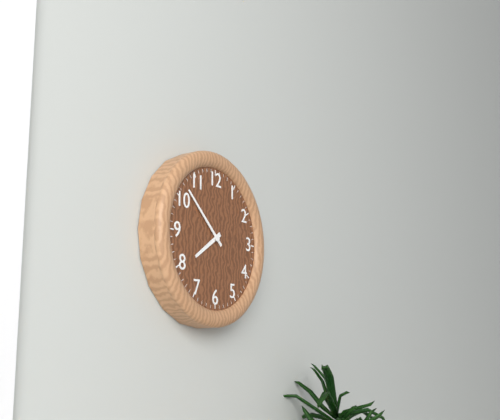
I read 7,52
